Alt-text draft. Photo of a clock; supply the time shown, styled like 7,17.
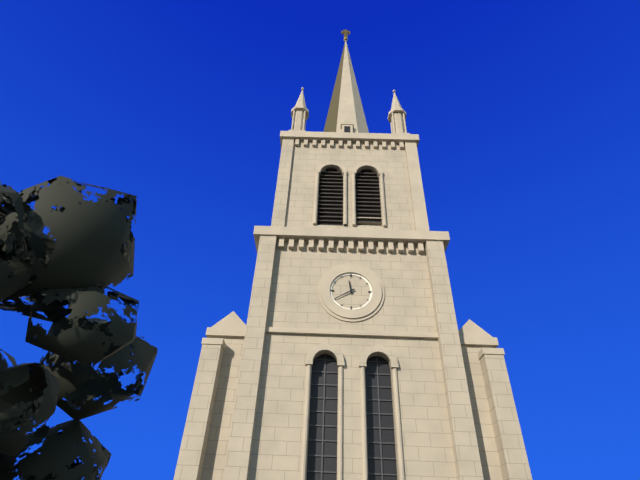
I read 11,40
